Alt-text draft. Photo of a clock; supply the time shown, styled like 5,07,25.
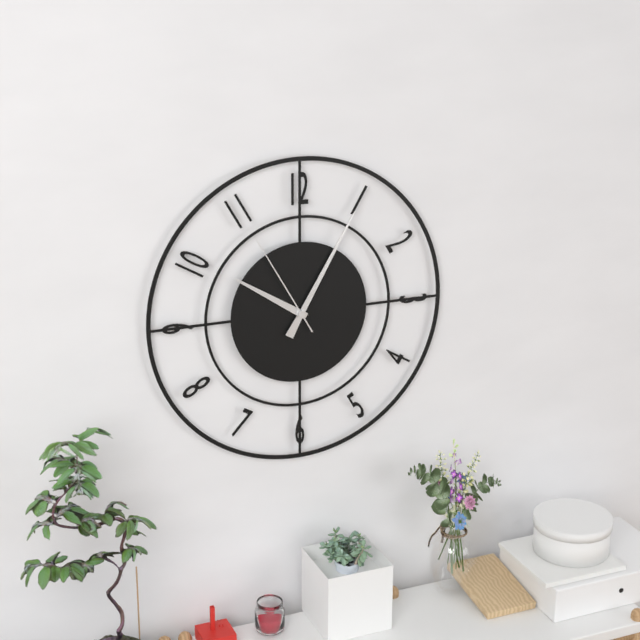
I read 10,05,55
